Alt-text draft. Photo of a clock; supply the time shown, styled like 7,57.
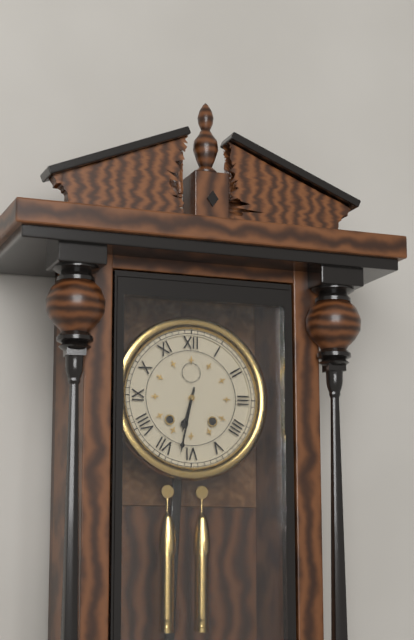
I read 6,32
